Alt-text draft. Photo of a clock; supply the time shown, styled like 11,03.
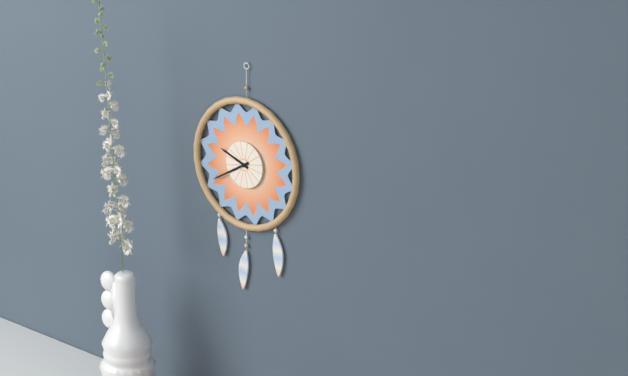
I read 9,40
